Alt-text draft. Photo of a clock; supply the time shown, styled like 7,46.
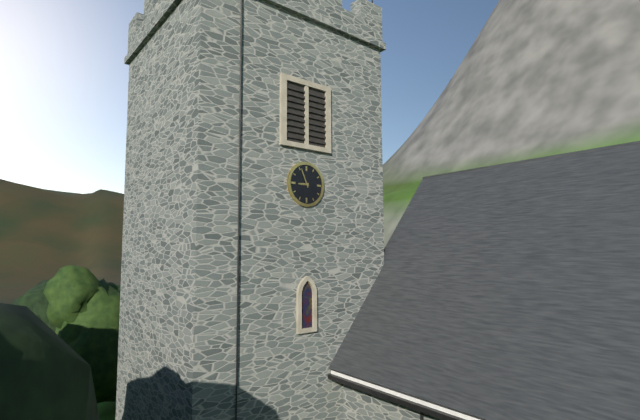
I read 8,56
